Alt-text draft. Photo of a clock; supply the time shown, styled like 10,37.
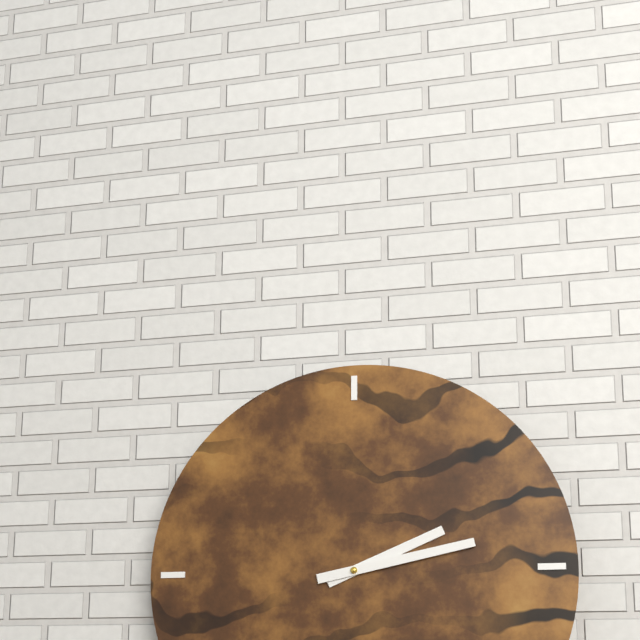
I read 2,13
